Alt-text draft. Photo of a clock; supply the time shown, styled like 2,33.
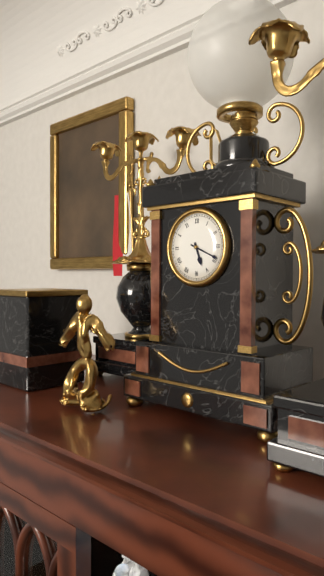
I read 5,19
